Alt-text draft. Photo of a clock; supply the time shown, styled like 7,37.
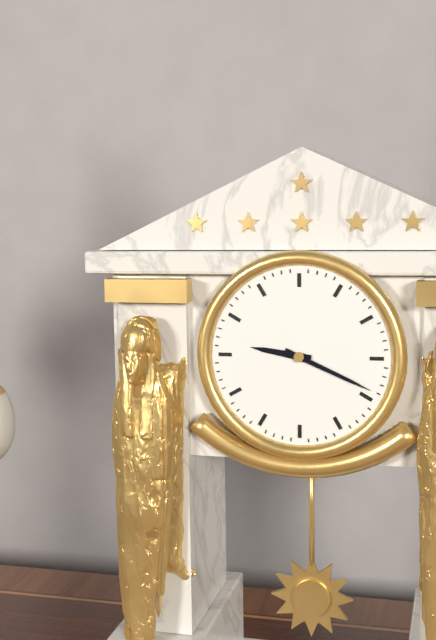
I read 9,19
